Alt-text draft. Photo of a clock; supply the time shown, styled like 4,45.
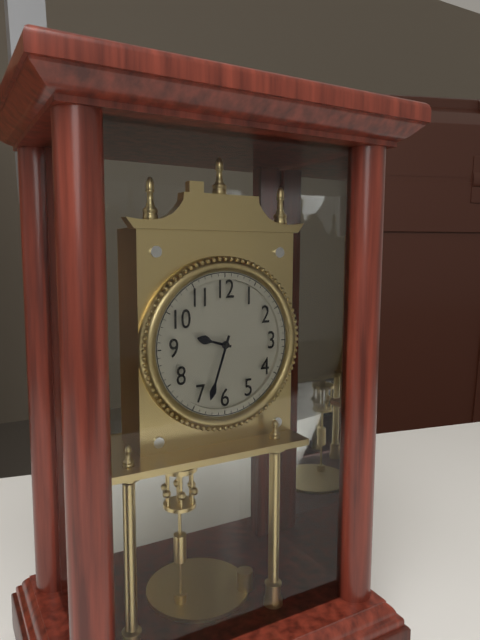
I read 9,33
